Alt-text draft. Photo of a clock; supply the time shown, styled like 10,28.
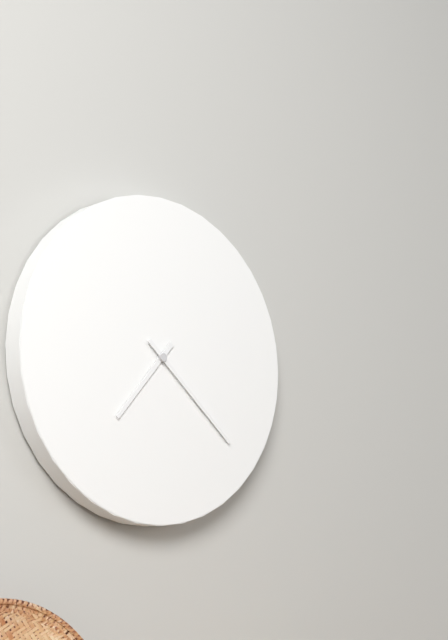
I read 7,22
